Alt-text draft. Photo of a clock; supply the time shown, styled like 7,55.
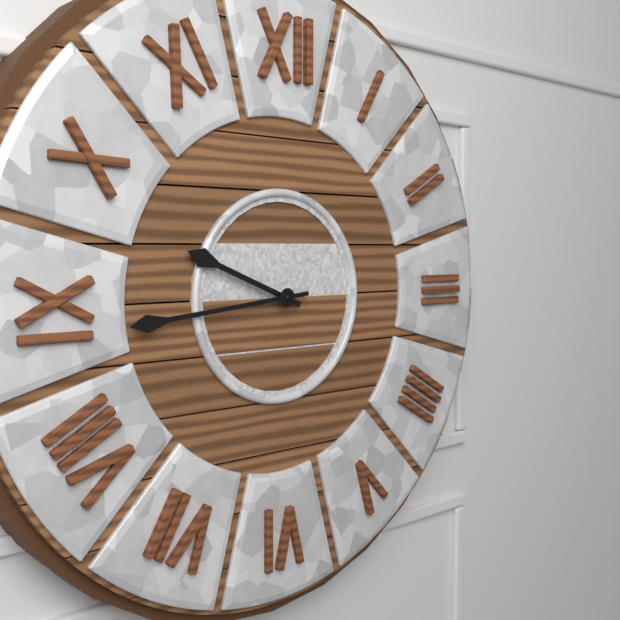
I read 9,44
